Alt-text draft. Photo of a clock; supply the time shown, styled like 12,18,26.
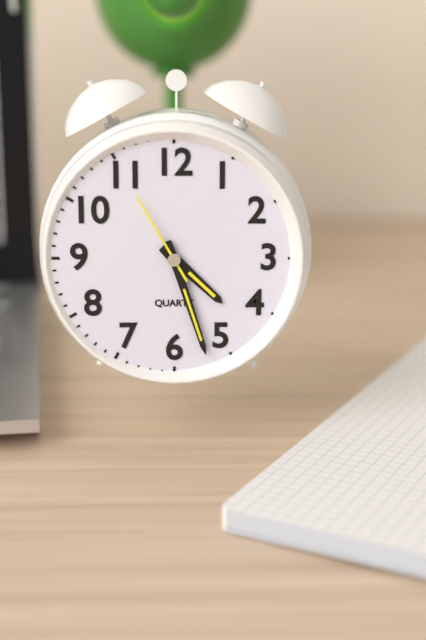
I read 4,27,55
